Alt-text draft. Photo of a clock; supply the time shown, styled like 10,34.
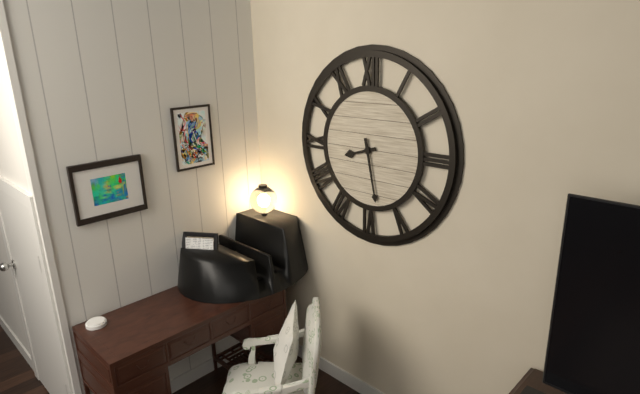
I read 8,28
